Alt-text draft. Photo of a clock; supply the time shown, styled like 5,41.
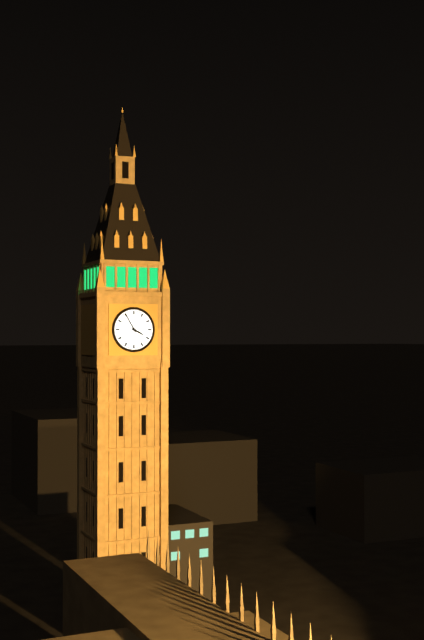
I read 3,55
